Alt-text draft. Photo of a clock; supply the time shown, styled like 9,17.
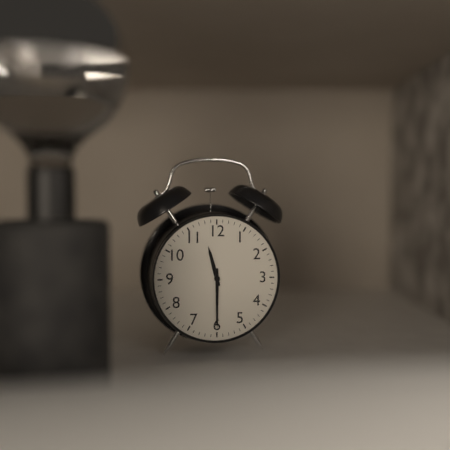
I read 11,30
